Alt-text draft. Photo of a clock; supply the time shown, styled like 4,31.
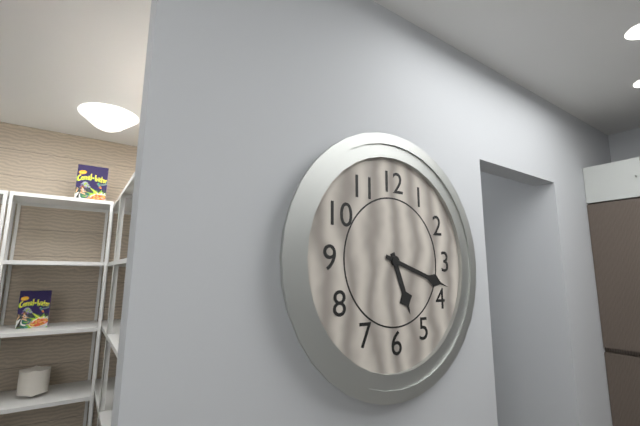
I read 5,18
